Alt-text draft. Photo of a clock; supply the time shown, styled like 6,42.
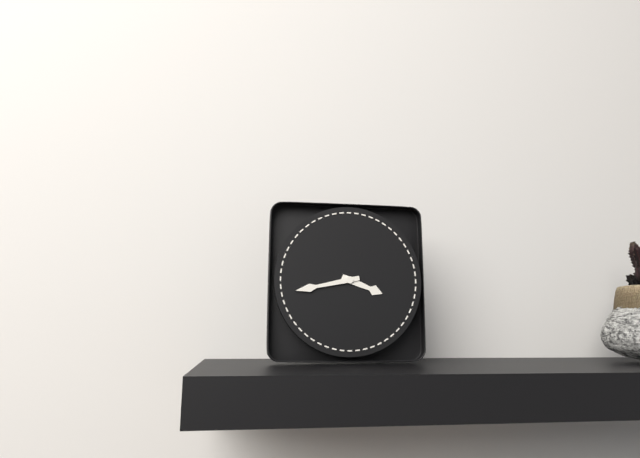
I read 3,43
